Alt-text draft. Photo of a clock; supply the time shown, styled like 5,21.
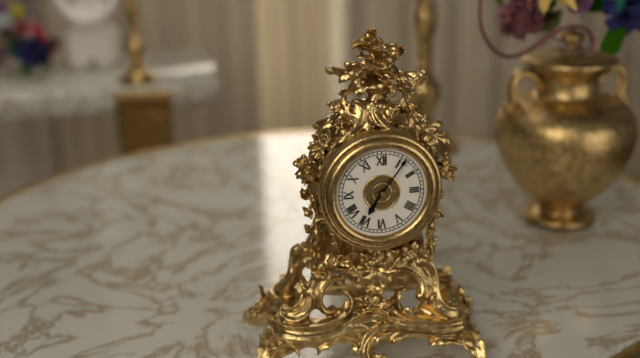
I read 7,06
